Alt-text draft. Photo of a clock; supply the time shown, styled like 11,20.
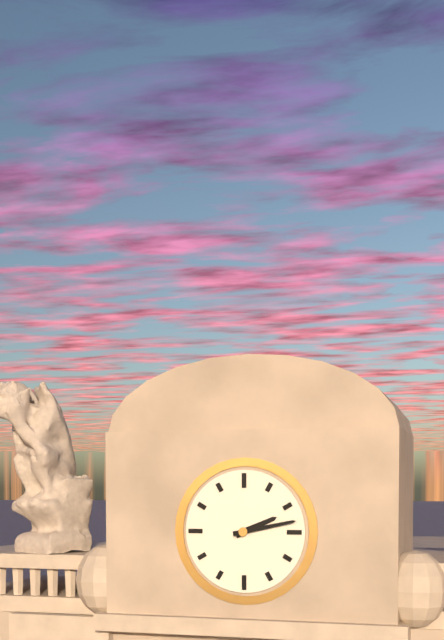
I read 2,13
